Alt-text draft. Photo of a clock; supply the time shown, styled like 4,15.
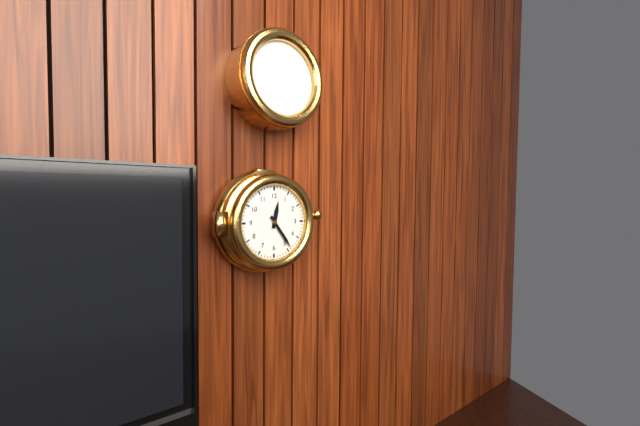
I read 12,24
